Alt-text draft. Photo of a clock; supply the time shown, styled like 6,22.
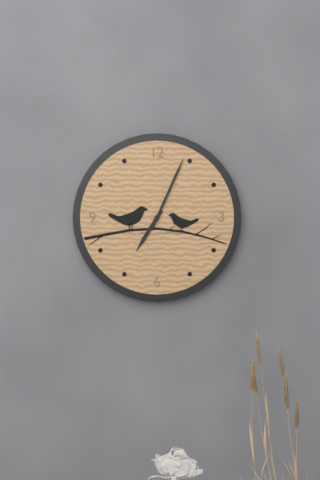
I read 7,04
